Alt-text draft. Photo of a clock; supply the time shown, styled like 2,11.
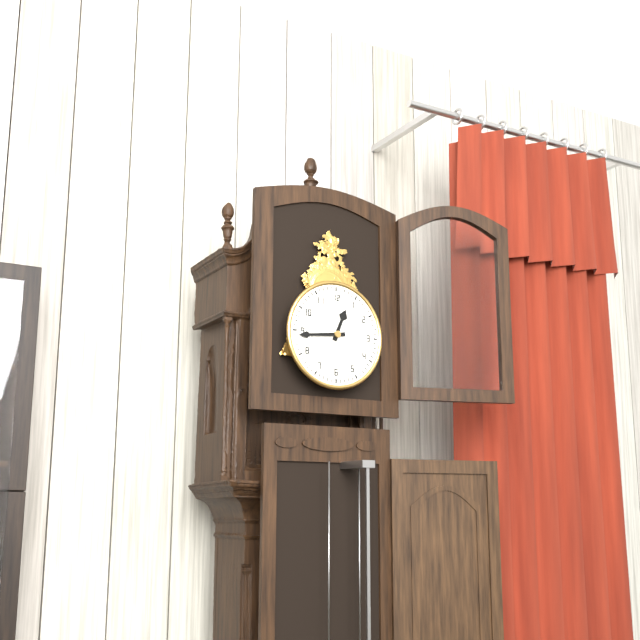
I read 12,44
